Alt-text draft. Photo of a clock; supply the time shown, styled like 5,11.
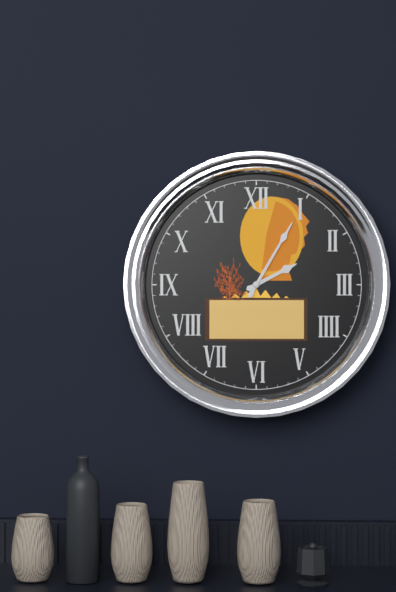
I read 2,05
